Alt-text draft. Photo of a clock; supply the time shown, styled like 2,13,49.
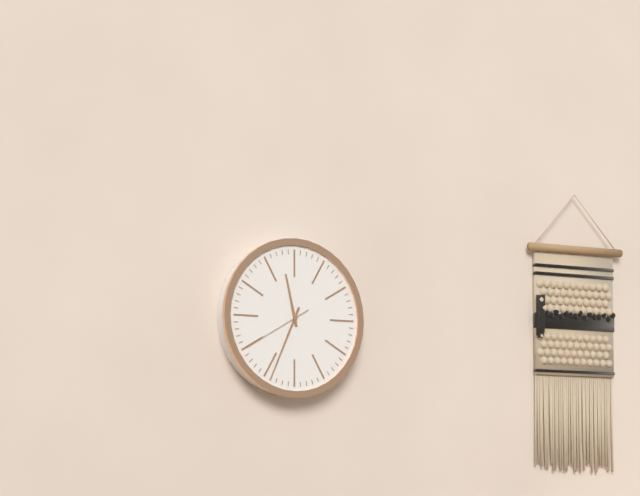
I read 11,34,40
